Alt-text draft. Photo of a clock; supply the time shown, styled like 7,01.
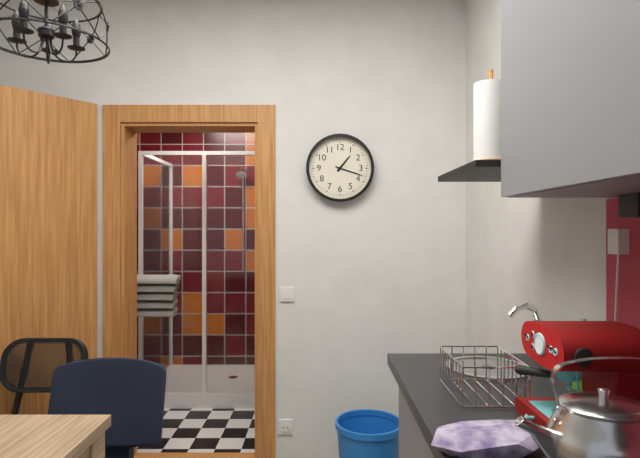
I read 1,18
